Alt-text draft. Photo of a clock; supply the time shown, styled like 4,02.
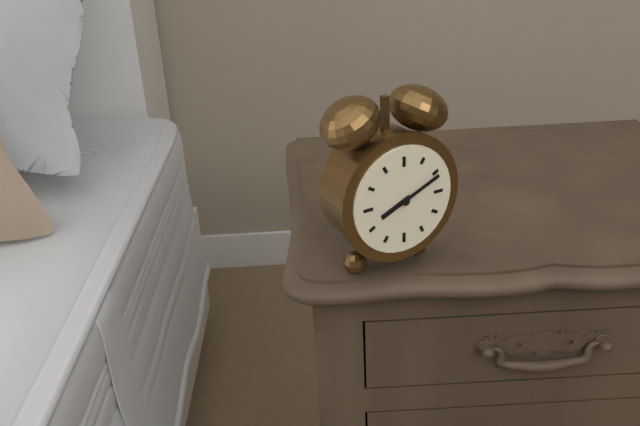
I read 8,11
